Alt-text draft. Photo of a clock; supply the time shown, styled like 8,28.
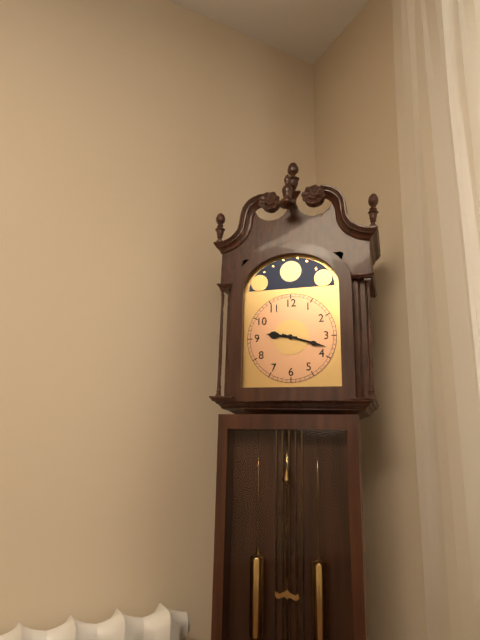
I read 9,18
